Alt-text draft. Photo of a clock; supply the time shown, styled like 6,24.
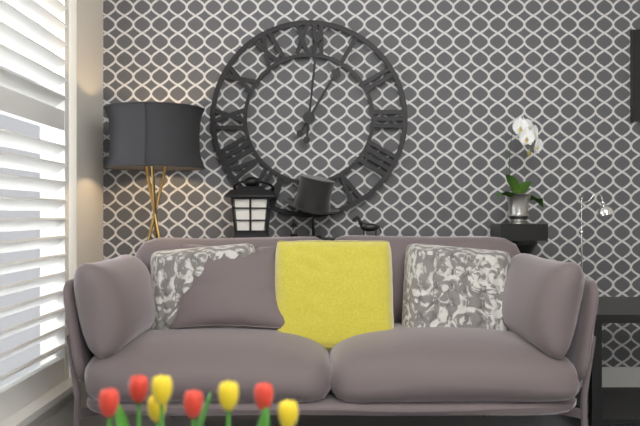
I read 1,01
